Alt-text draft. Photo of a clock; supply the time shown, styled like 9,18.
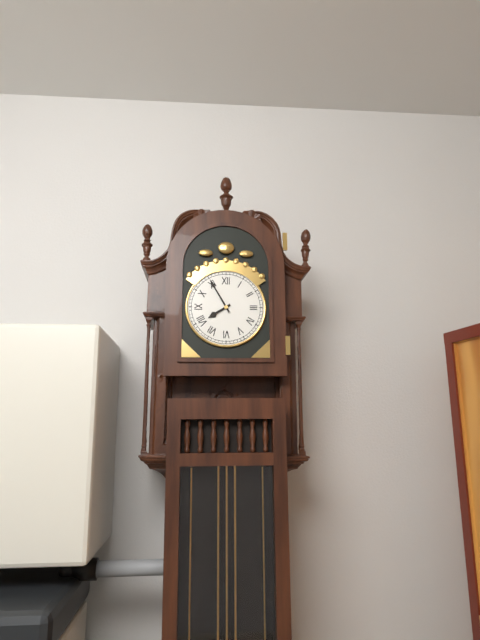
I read 7,55
